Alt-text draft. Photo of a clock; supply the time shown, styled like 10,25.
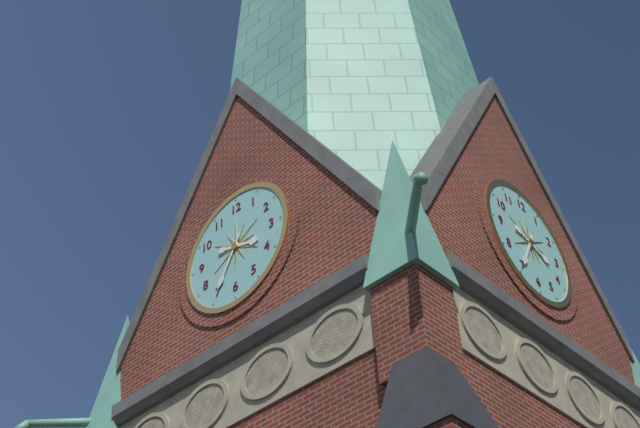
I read 3,35
